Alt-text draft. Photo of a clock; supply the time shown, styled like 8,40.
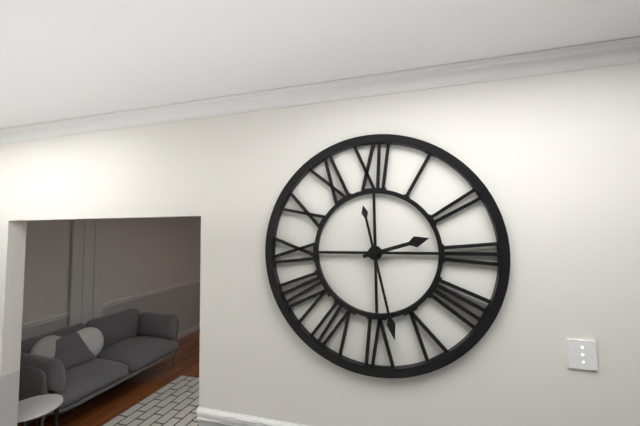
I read 2,28
